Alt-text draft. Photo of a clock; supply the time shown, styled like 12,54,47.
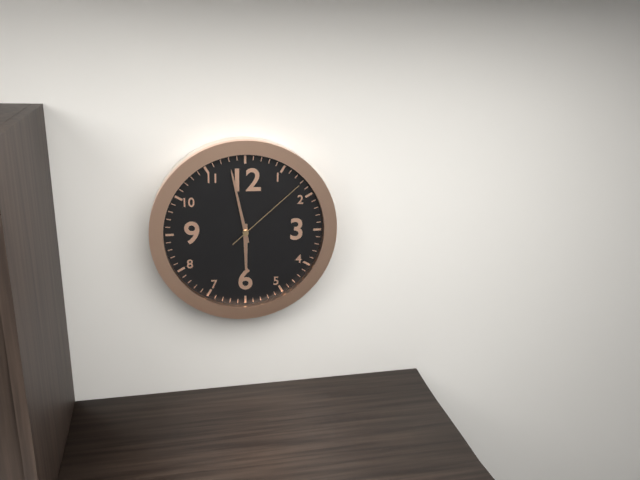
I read 5,58,08
